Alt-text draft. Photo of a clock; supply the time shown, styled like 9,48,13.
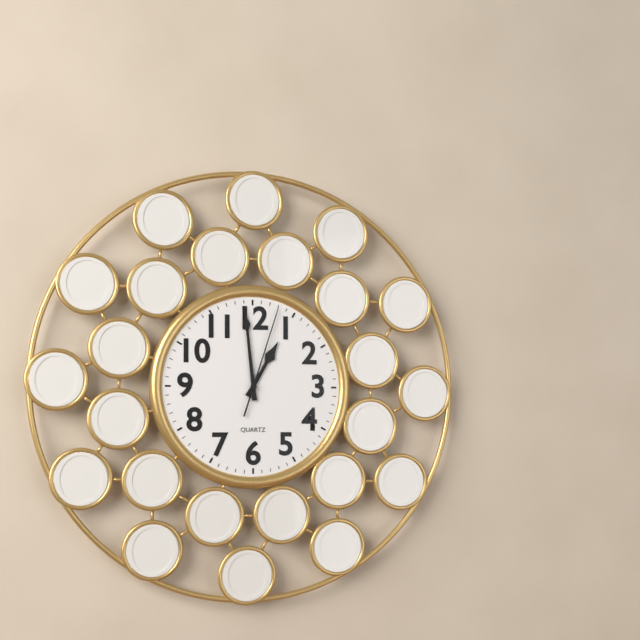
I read 12,59,03
